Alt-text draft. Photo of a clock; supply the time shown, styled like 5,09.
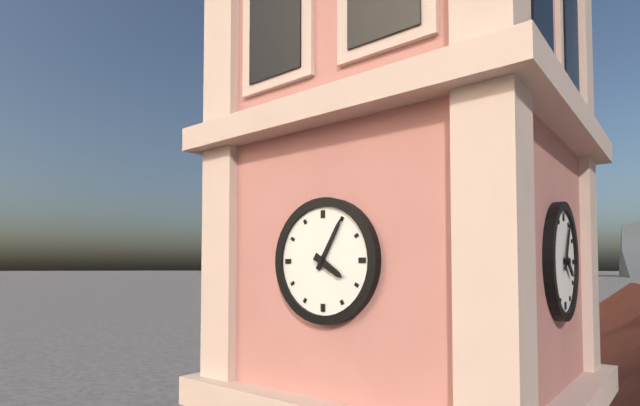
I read 4,05
